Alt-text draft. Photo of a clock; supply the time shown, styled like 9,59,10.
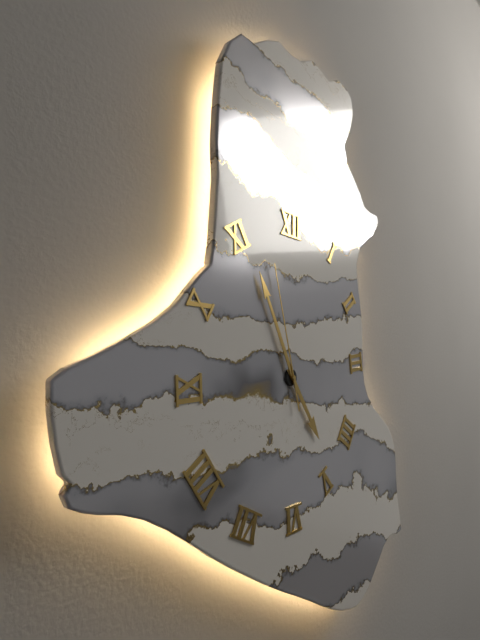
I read 4,56,58
